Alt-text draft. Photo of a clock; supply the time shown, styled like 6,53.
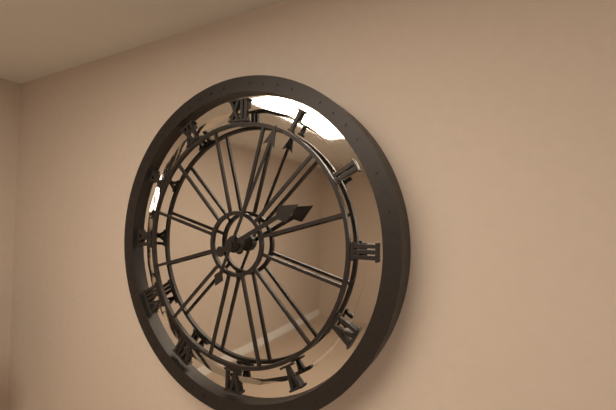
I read 2,04
